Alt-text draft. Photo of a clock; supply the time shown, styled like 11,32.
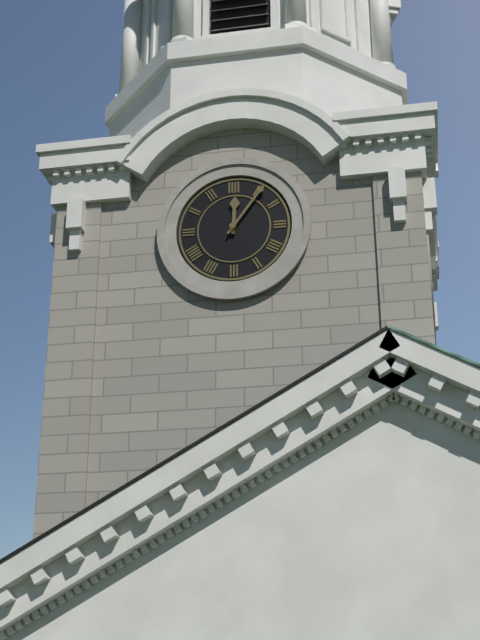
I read 12,06
